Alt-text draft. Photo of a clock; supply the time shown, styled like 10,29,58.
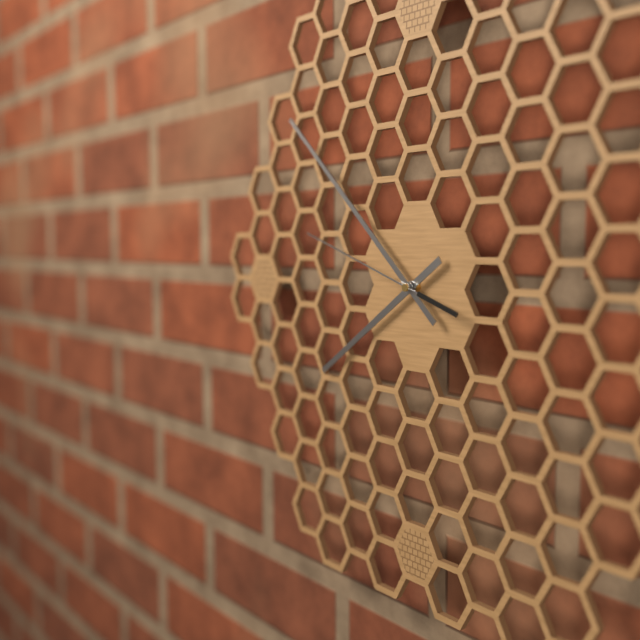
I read 7,52,48
